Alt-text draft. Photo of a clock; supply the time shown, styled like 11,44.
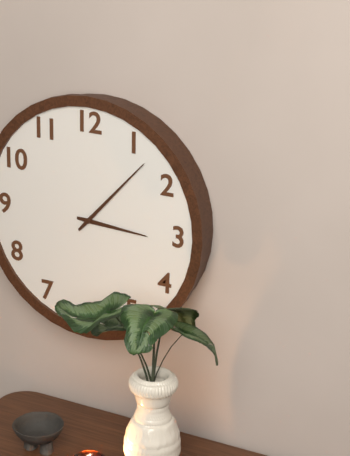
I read 3,07
